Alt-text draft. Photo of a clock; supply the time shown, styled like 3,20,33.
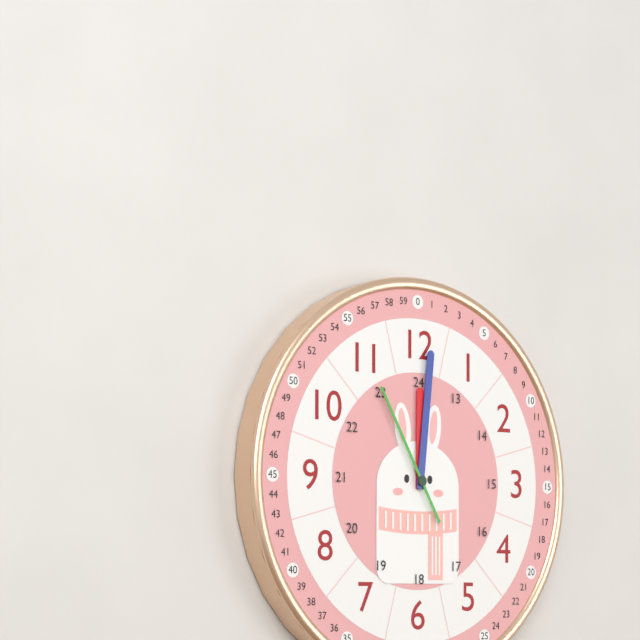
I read 12,01,55
